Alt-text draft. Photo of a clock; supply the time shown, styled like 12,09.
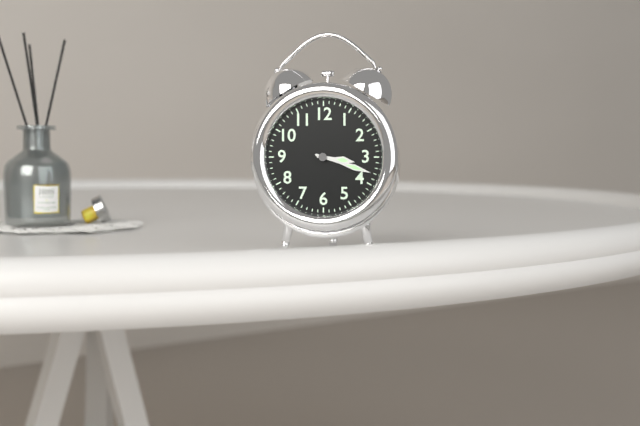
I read 3,18
